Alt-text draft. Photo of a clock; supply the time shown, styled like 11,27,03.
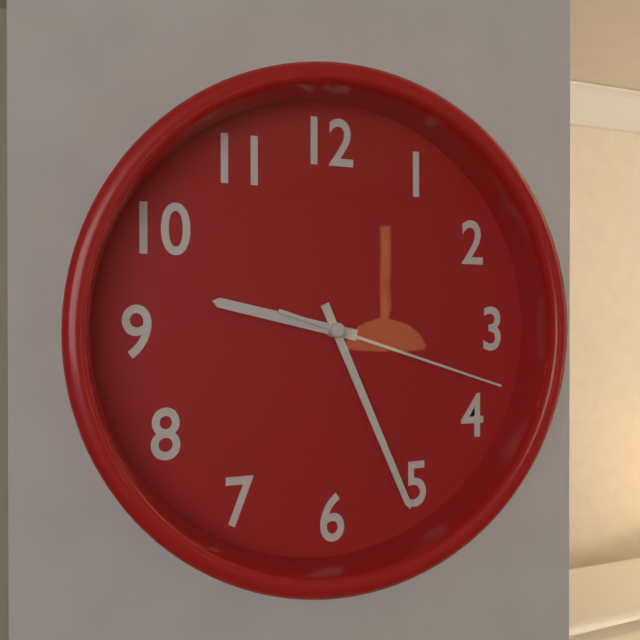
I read 9,26,18
